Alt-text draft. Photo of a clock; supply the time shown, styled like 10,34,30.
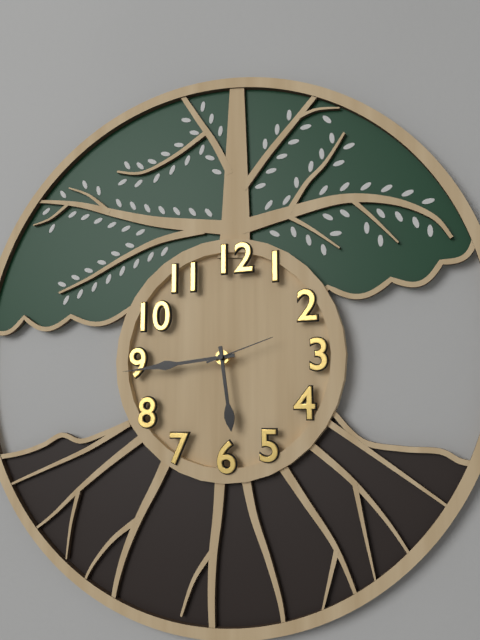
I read 5,44,12
